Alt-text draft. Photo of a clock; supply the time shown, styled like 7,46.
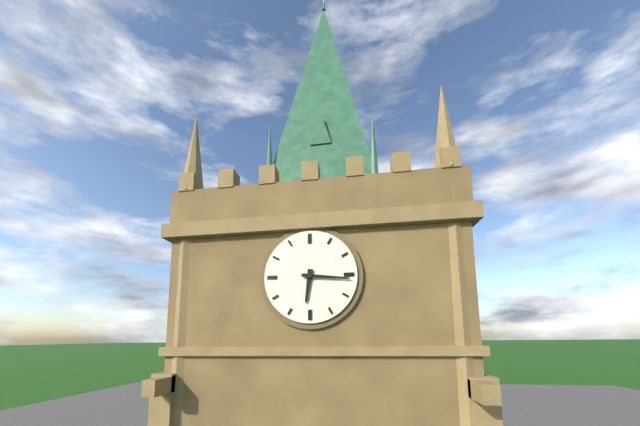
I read 6,16
